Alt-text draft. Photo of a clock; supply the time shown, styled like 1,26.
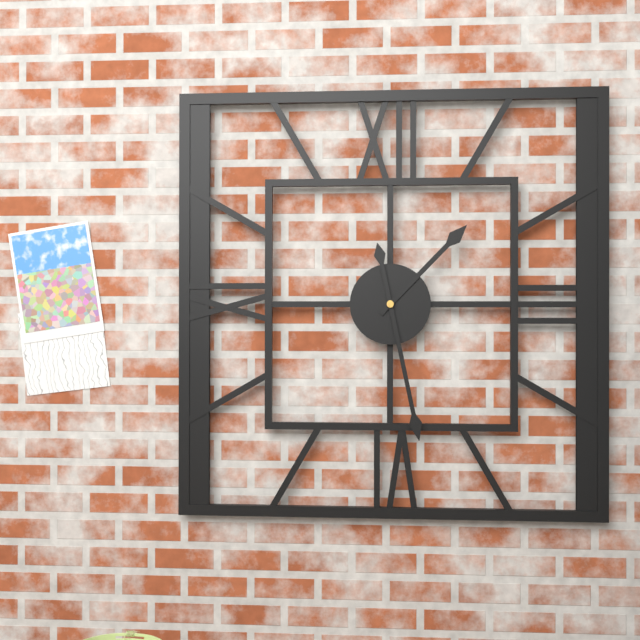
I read 1,28
